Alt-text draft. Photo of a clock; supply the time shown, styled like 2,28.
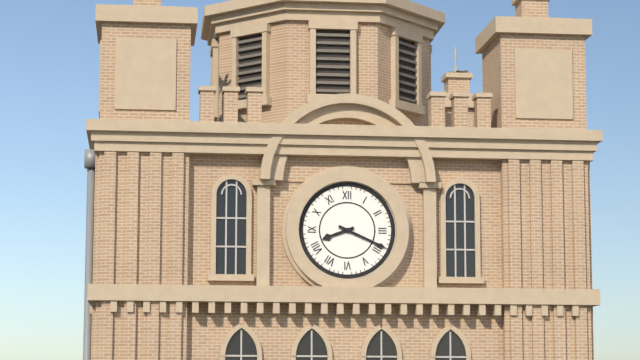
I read 8,19
